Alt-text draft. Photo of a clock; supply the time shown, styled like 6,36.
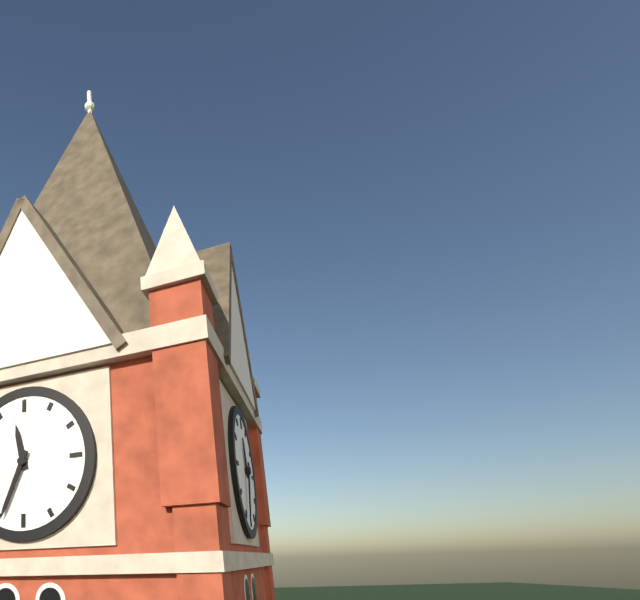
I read 11,34
